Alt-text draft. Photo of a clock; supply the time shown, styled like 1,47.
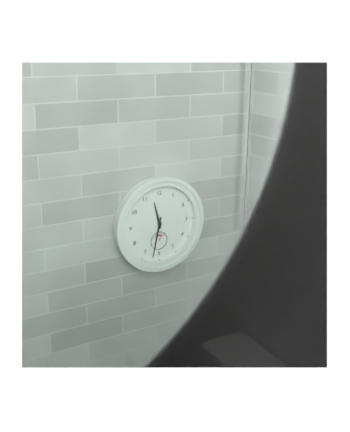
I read 11,32
